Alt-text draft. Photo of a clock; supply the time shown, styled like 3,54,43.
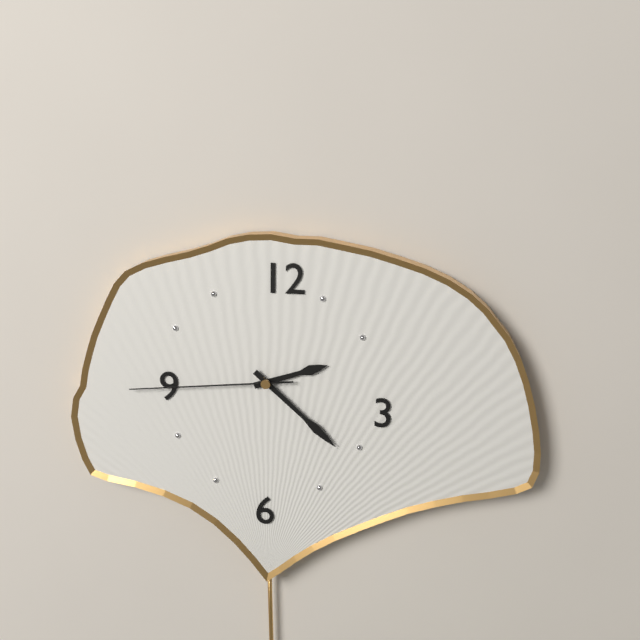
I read 2,22,44
